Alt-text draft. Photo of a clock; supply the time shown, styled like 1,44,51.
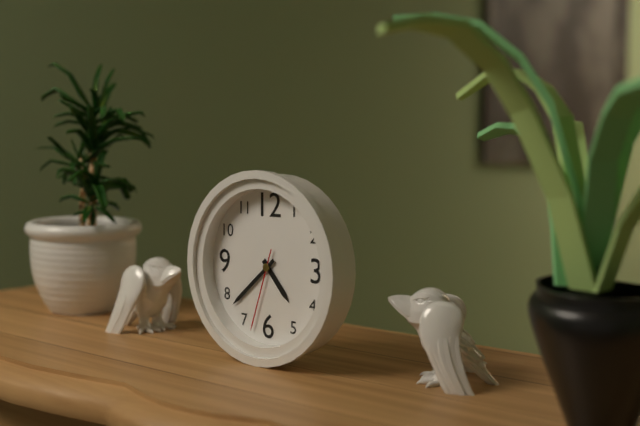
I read 4,38,33
